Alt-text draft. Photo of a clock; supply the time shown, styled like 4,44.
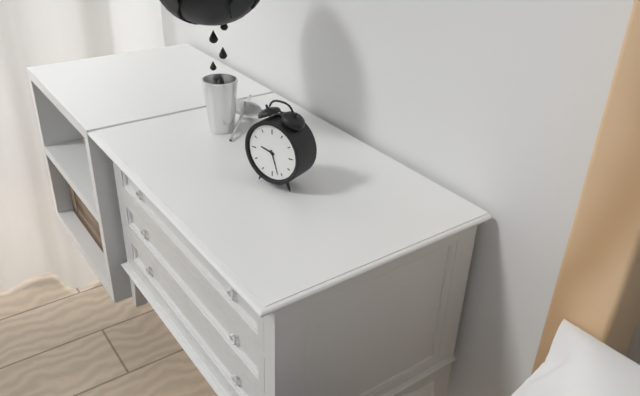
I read 9,27
